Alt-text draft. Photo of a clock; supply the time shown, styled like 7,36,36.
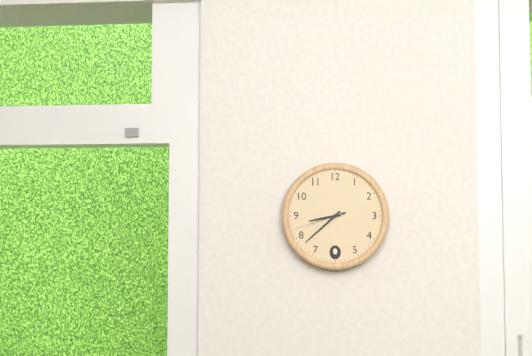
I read 8,38,42
